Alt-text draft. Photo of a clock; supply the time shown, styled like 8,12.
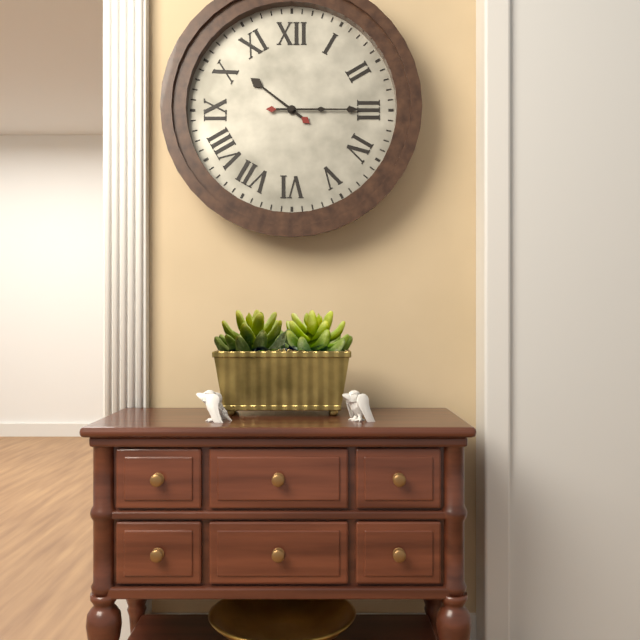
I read 10,15
